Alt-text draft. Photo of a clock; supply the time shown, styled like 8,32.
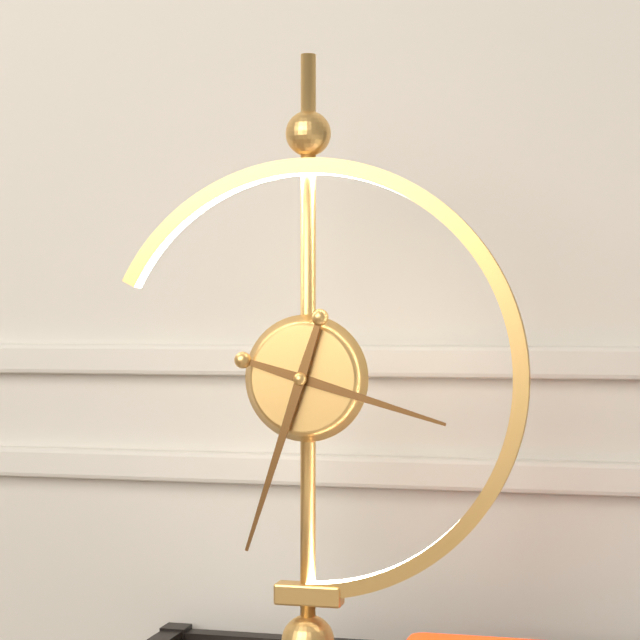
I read 3,33
